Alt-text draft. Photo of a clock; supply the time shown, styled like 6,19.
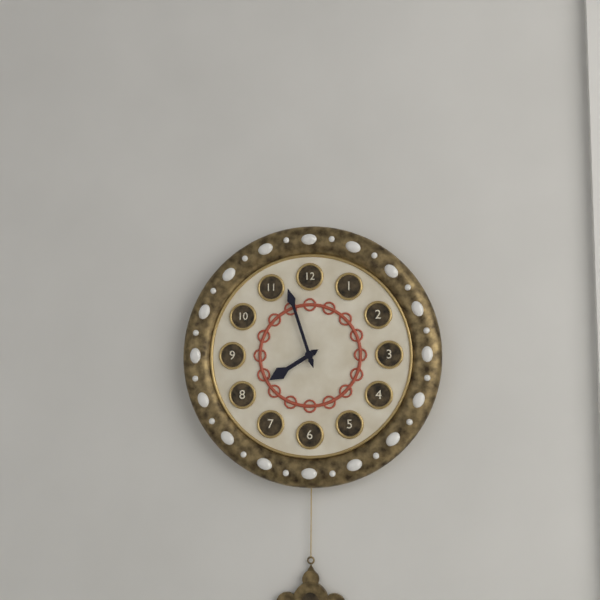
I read 7,57
